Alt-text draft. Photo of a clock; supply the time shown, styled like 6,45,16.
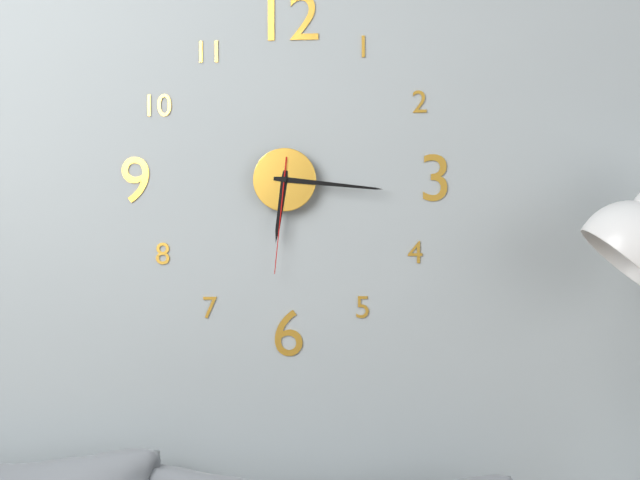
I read 6,16,31
